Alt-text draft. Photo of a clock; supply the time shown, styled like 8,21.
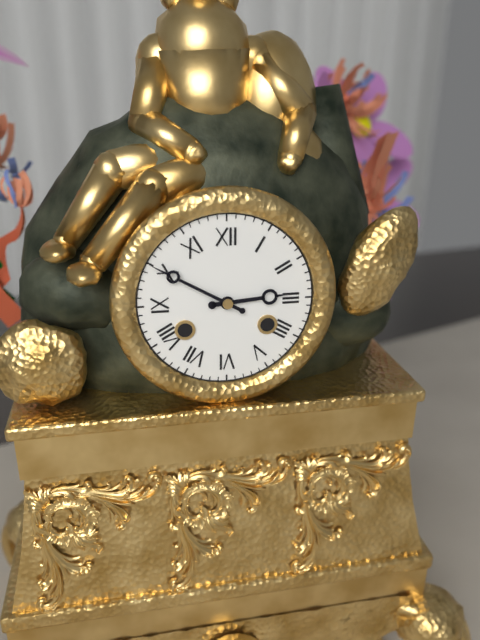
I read 2,50
